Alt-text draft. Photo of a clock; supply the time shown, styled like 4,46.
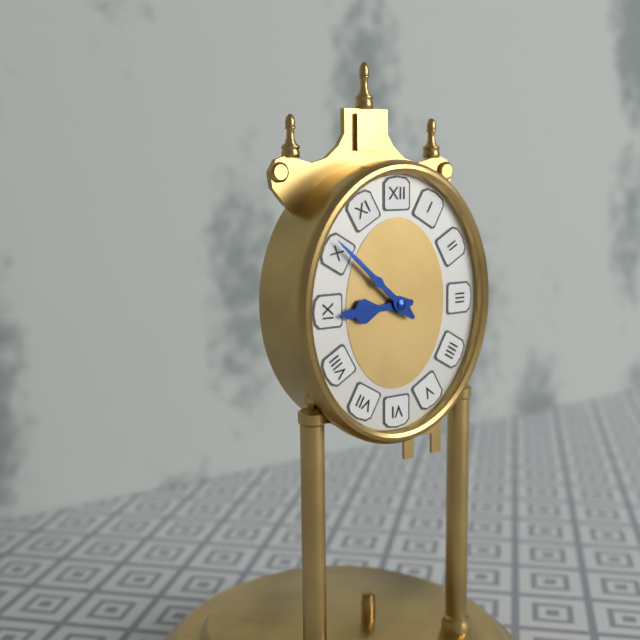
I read 8,52
